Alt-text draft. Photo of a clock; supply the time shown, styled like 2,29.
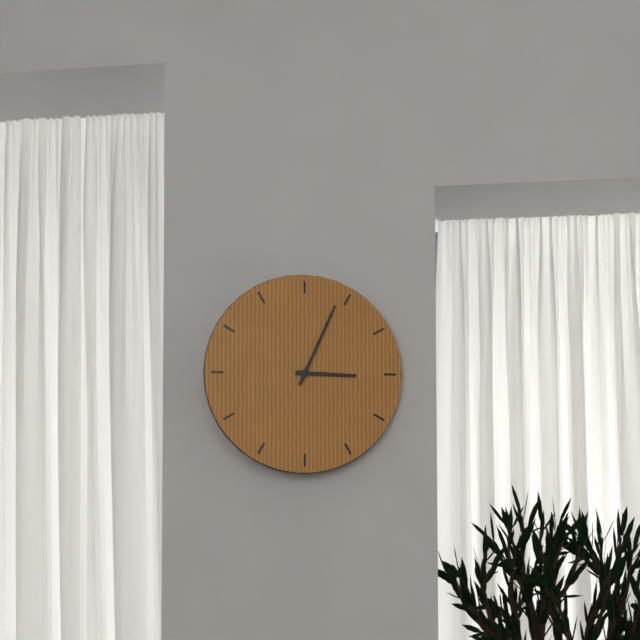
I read 3,04
